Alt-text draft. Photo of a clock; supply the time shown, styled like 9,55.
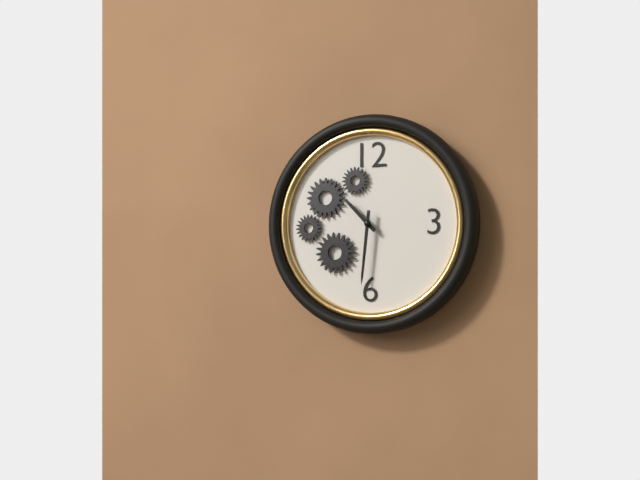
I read 10,31
